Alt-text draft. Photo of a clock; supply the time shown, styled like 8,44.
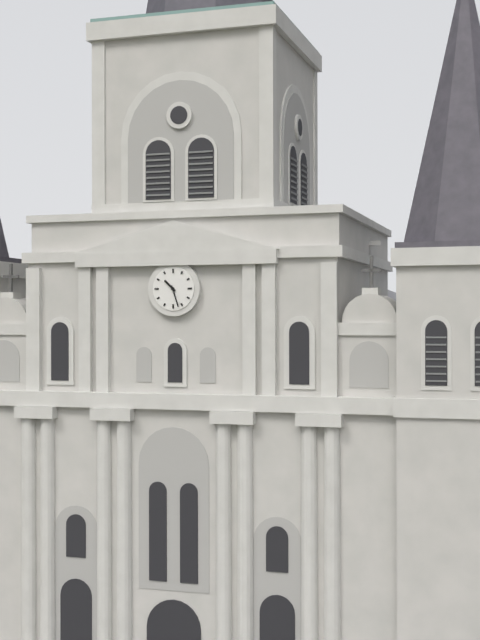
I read 10,27
